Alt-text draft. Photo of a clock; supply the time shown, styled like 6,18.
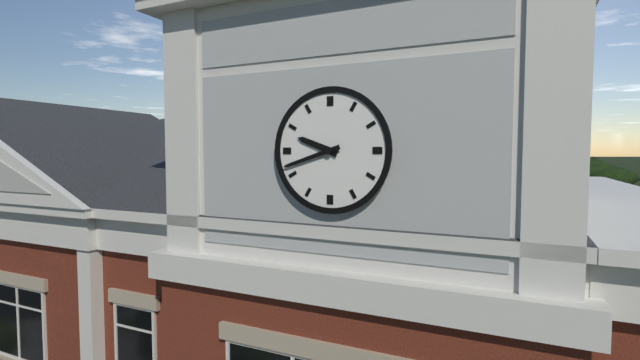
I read 9,42
